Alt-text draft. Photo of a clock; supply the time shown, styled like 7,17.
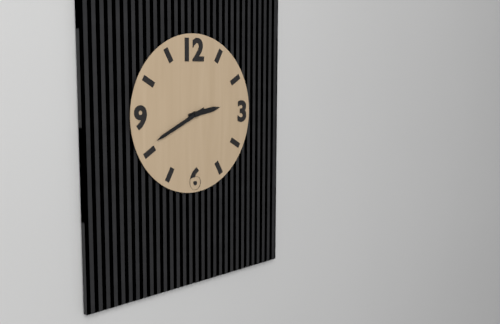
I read 2,41
